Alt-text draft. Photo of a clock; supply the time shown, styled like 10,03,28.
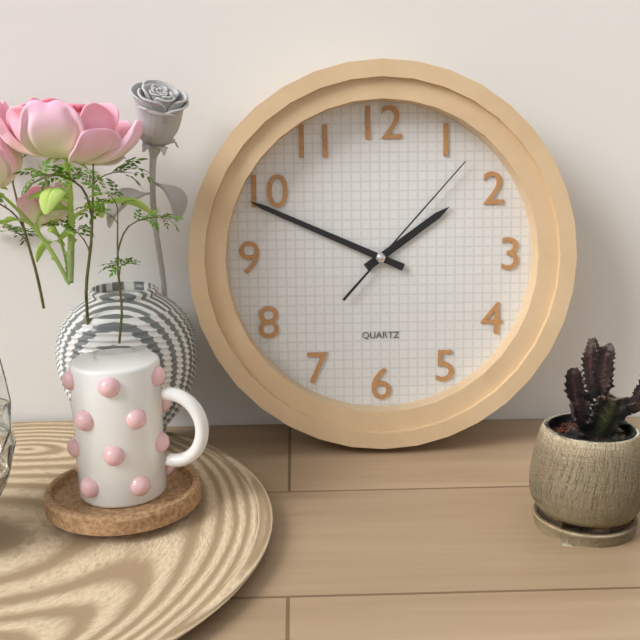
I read 1,49,07
